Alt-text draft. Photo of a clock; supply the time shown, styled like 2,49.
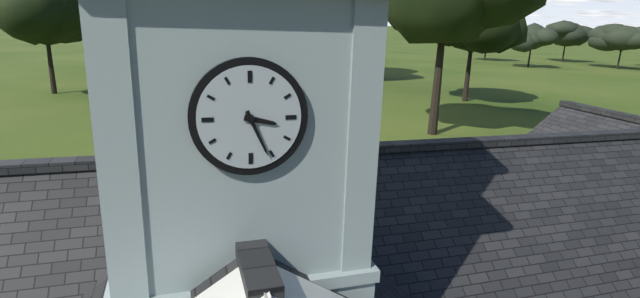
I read 3,26
